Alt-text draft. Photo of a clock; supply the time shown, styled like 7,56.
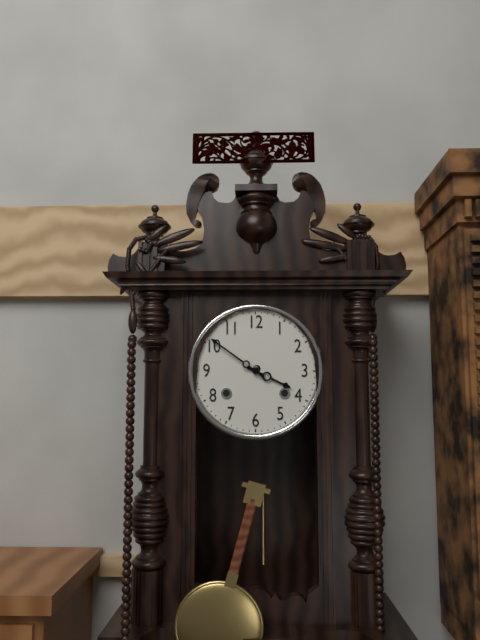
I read 3,51
